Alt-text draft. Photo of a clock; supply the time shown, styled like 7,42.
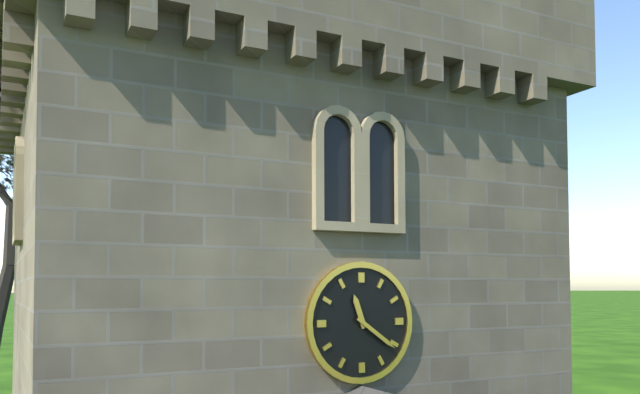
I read 11,21
